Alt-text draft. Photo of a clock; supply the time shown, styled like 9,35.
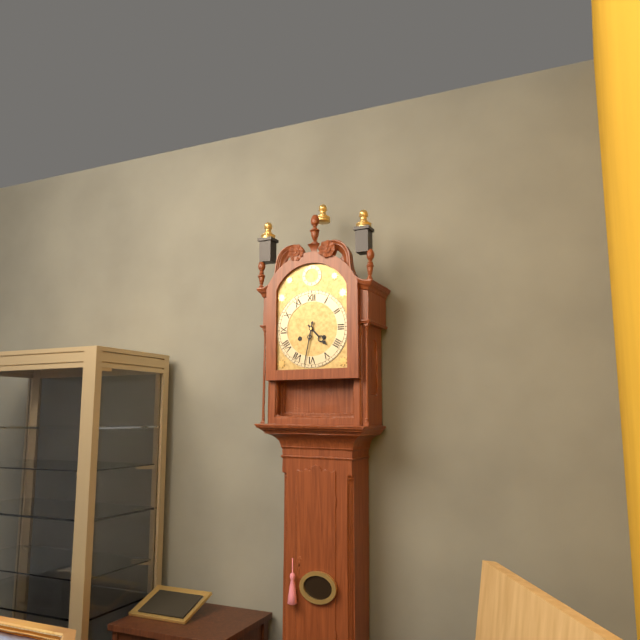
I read 4,32
